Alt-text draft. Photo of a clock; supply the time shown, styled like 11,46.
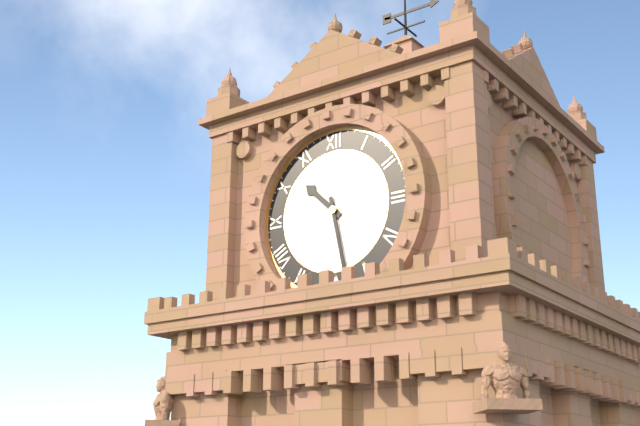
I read 10,28
